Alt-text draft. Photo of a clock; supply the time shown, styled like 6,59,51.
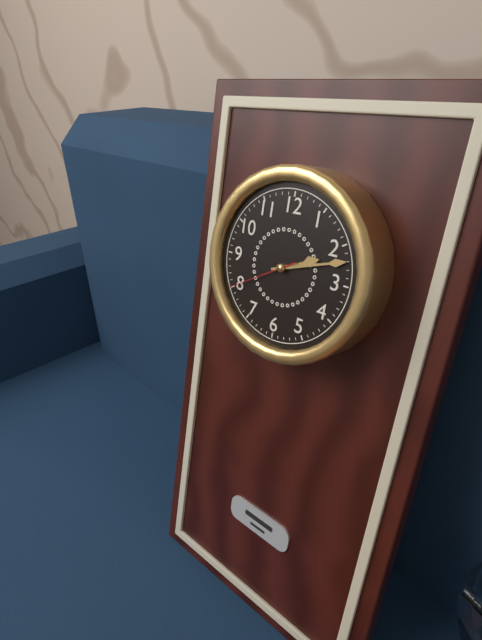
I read 2,12,40
